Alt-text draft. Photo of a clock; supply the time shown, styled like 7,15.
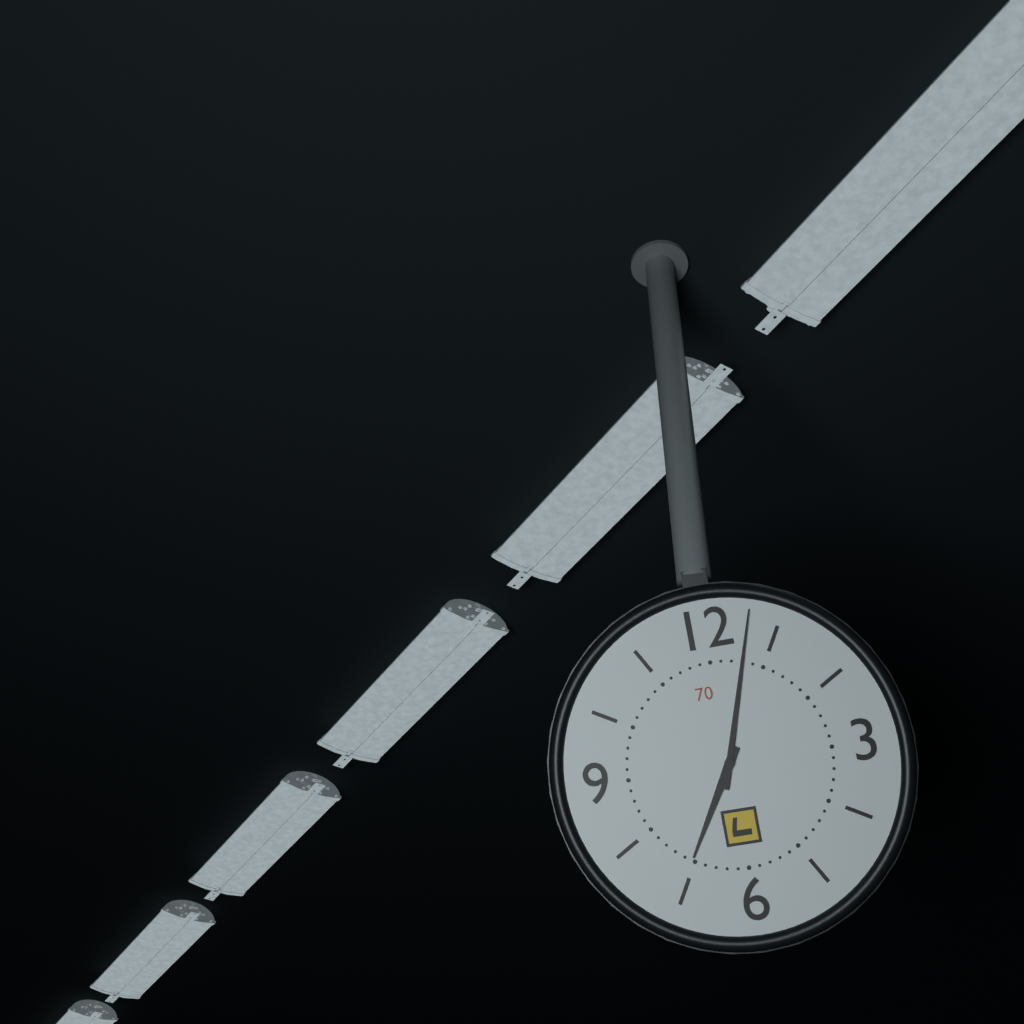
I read 7,03
